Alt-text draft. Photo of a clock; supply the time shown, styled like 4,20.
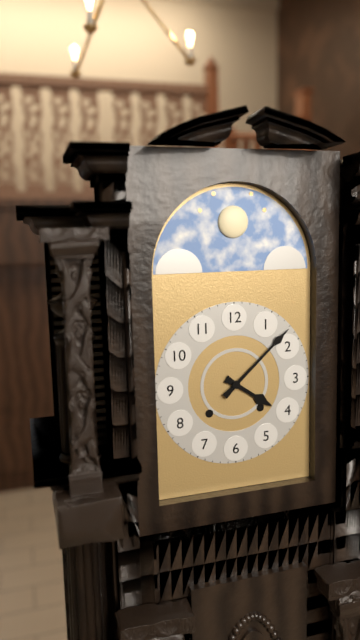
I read 4,08
